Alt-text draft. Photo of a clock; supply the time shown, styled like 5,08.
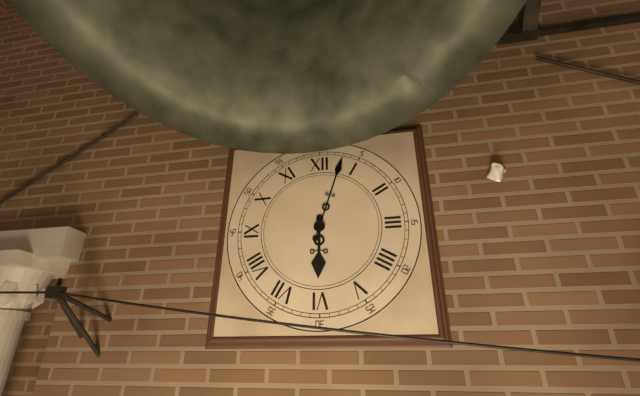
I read 6,03
